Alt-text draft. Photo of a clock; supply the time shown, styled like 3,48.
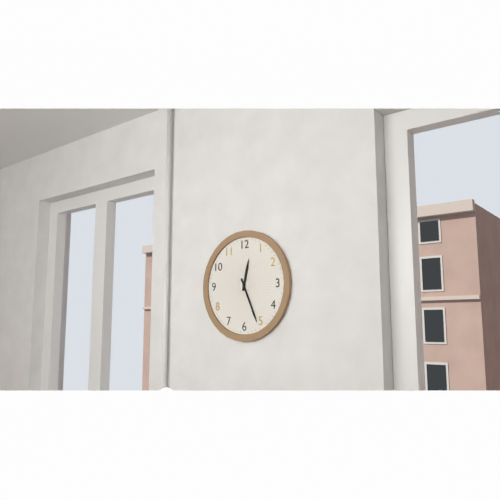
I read 12,26
